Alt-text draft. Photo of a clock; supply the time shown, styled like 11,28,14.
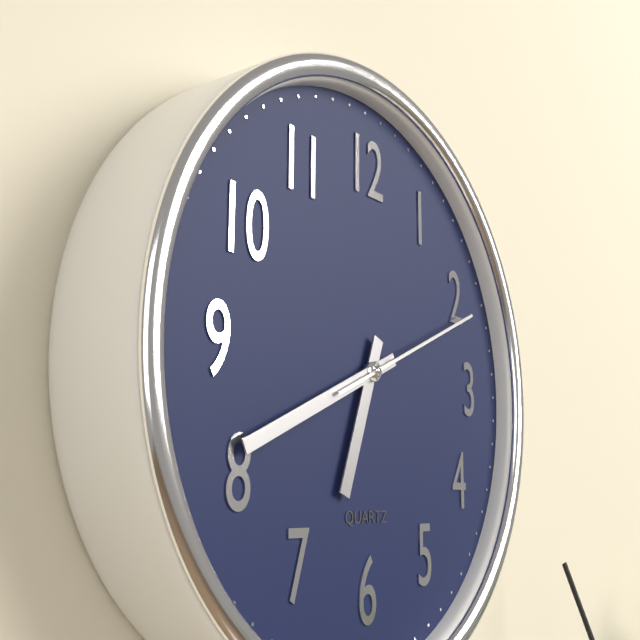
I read 6,41,11
